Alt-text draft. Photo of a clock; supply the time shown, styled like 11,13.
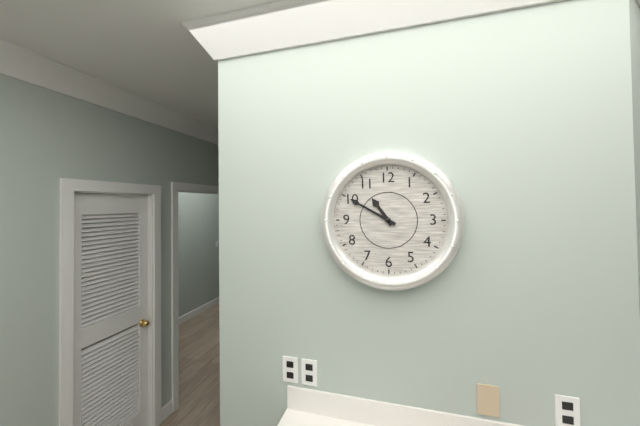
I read 10,50
